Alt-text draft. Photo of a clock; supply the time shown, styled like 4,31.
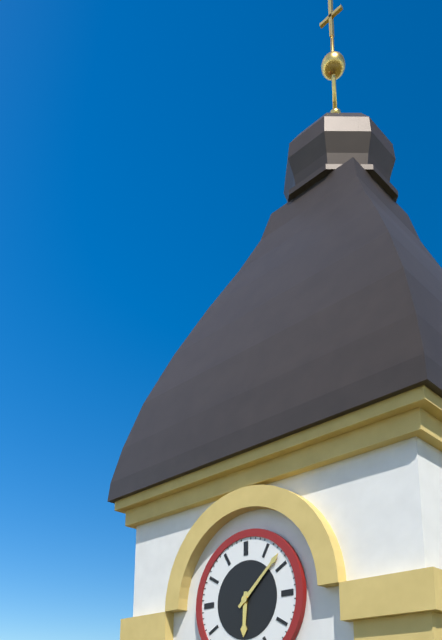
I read 6,08
